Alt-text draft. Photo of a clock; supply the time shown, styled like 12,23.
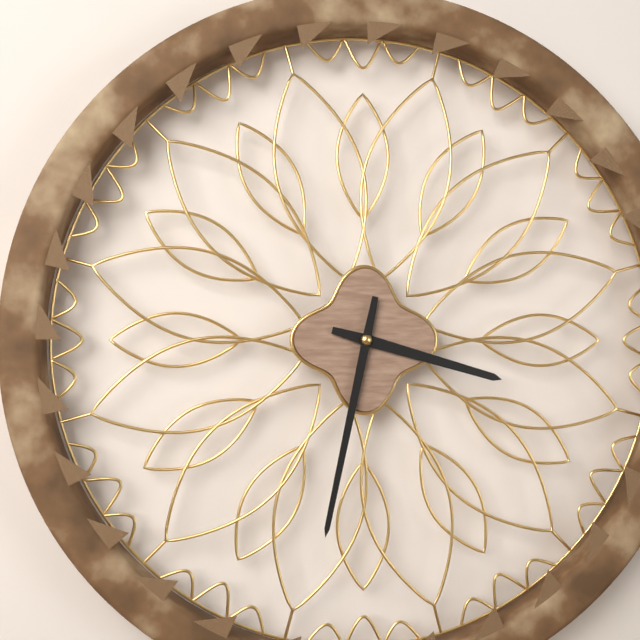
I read 3,32
